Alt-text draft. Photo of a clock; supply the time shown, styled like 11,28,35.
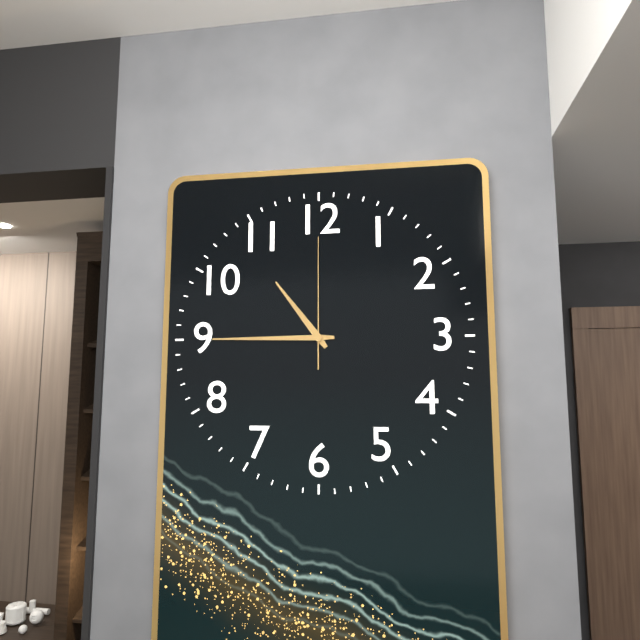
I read 10,45,00
